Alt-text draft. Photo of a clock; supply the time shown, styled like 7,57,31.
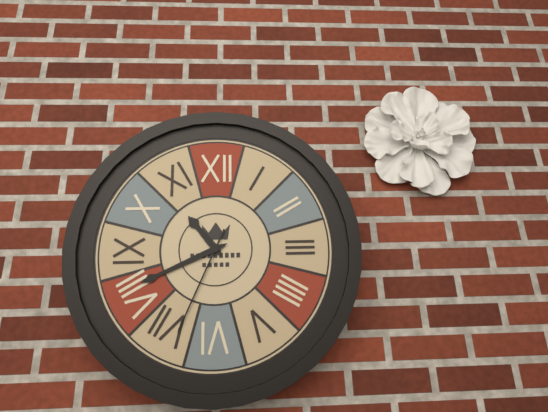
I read 10,41,34
